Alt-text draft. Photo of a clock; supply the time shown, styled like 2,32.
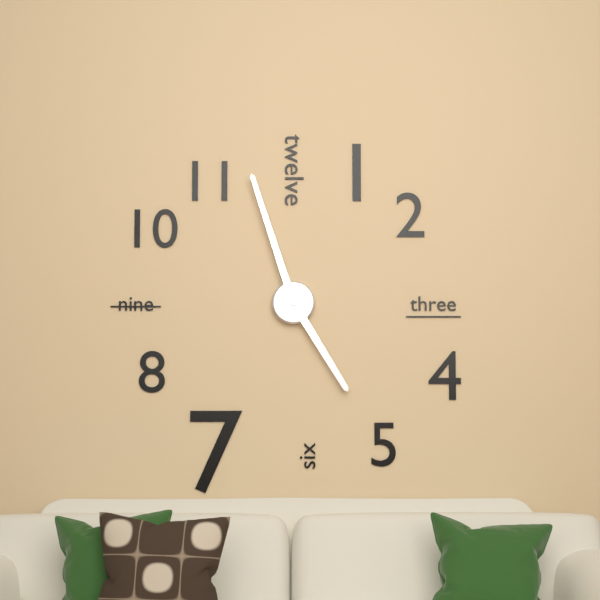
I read 4,57
